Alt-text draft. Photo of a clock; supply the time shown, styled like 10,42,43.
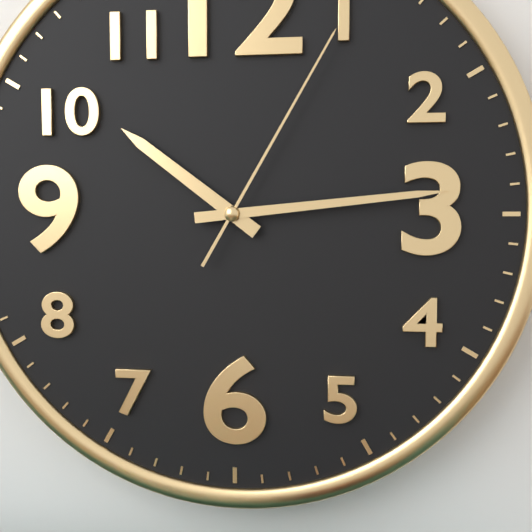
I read 10,14,05
